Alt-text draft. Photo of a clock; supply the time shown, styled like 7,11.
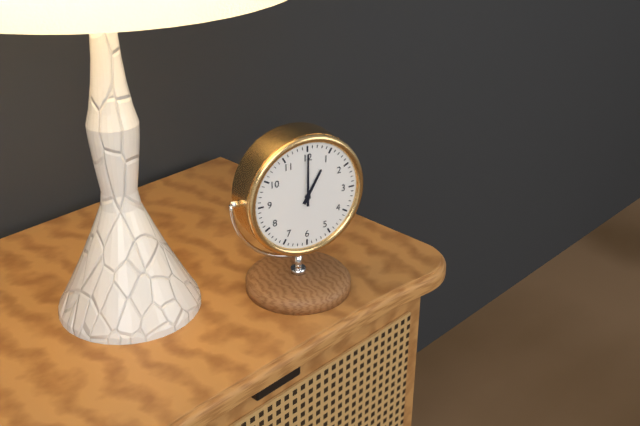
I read 1,00
